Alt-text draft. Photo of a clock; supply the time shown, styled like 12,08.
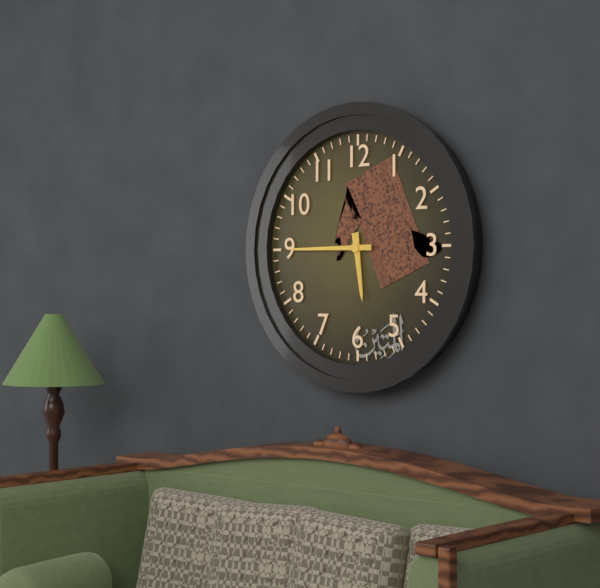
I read 5,45
